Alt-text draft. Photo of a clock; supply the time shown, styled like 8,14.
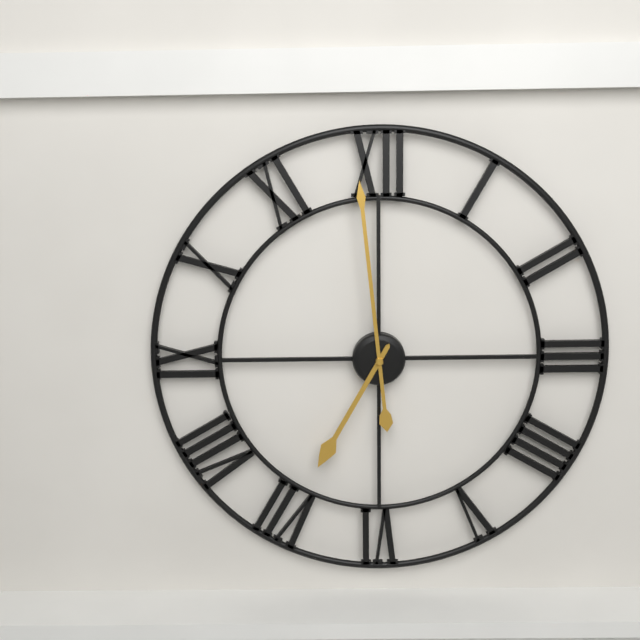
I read 6,59
